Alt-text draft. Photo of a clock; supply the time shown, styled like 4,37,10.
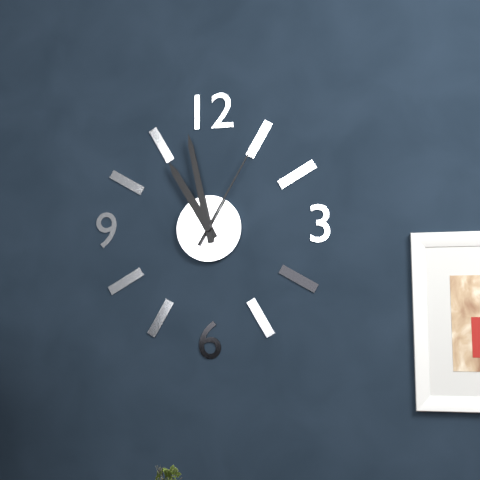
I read 10,58,05
